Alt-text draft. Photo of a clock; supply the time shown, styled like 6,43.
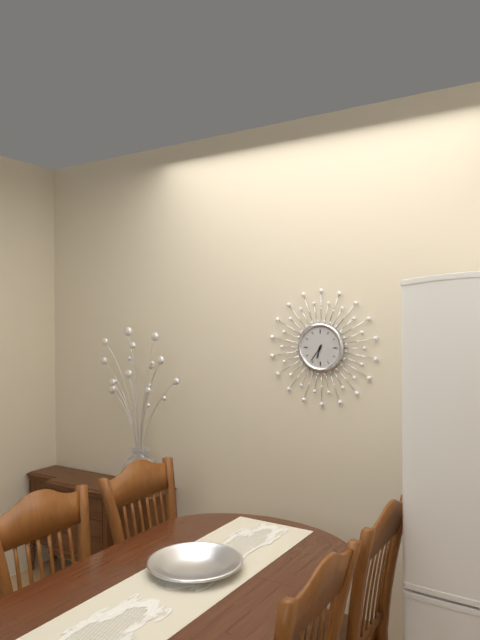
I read 6,36
